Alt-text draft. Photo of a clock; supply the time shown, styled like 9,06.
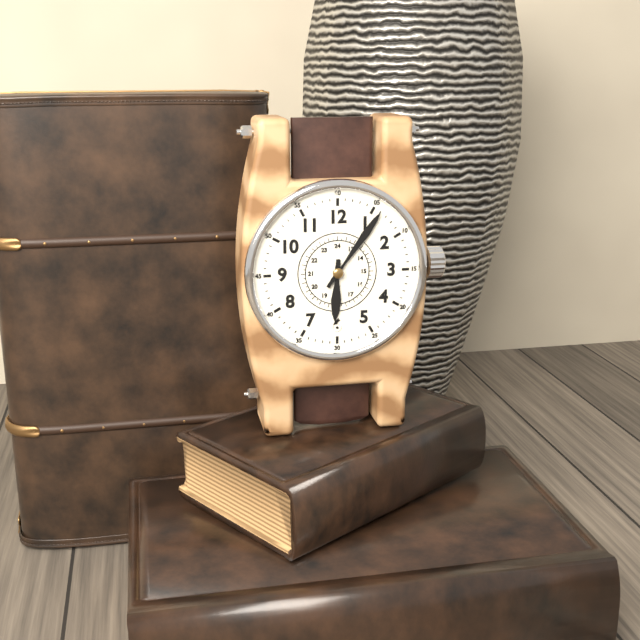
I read 6,06
